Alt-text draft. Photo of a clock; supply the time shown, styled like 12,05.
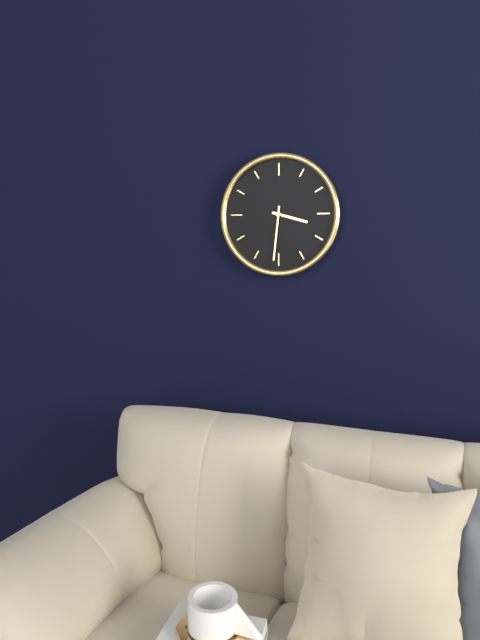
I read 3,31
